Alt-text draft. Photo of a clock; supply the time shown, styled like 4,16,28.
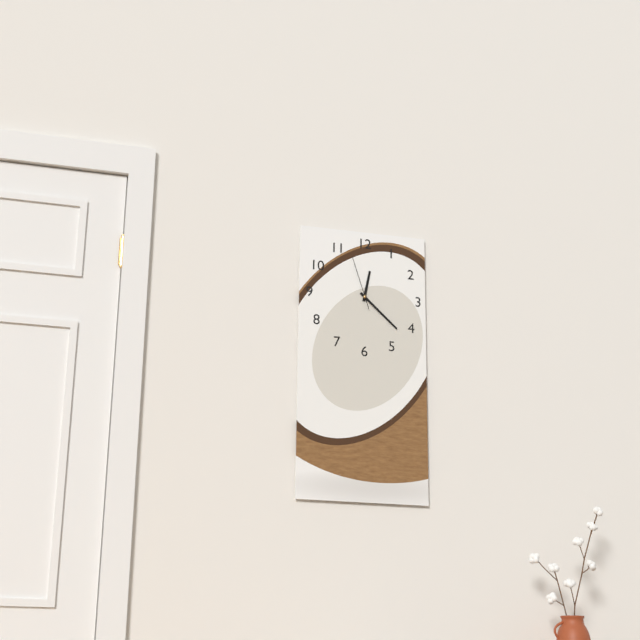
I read 12,22,57
